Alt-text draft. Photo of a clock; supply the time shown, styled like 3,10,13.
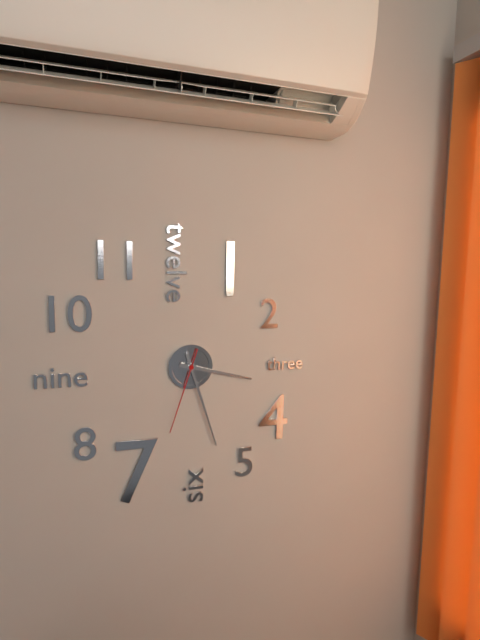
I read 3,27,33
